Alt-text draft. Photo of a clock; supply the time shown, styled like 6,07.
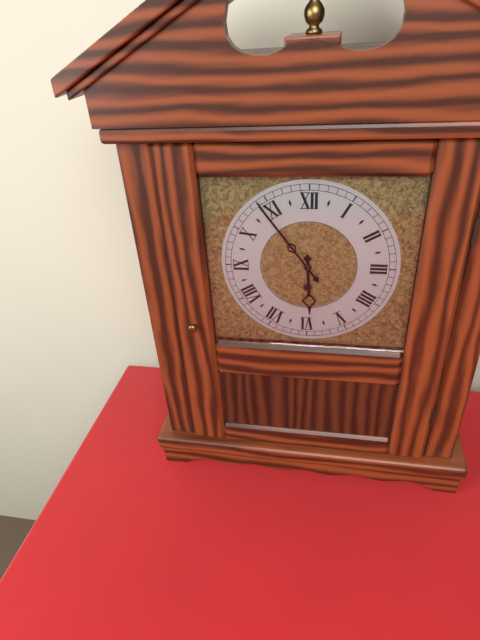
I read 5,54
